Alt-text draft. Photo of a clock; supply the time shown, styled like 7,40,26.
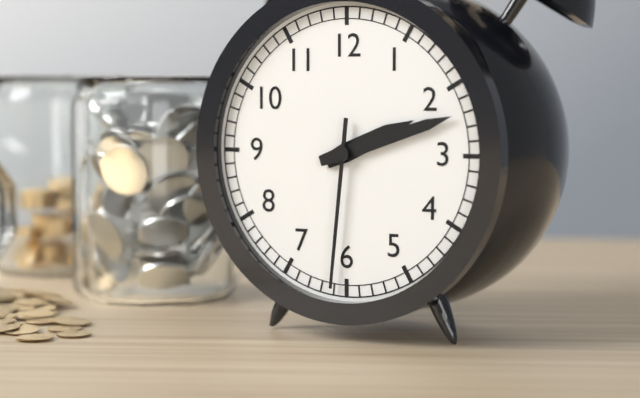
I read 2,12,31
